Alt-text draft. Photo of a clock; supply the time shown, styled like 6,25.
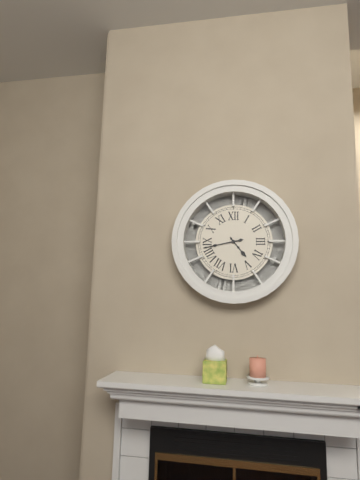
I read 4,43
